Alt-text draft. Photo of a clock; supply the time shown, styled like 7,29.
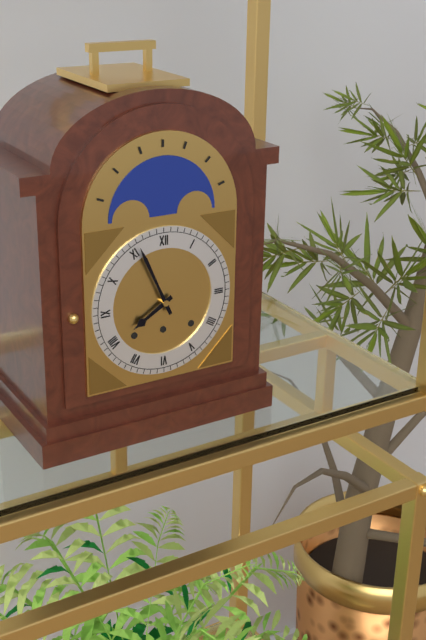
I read 7,56
